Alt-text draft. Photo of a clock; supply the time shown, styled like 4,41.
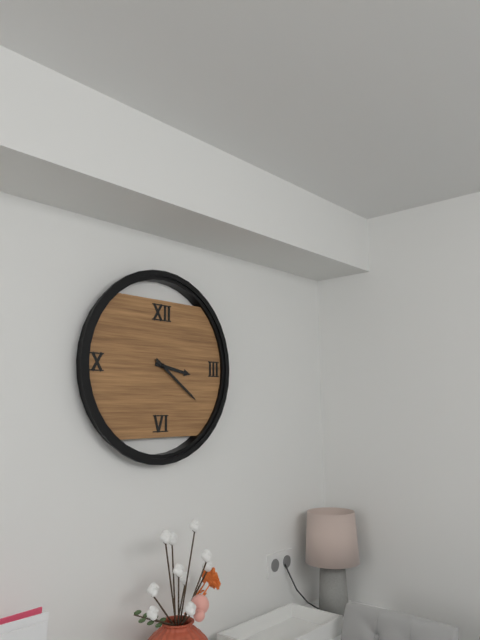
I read 3,21
